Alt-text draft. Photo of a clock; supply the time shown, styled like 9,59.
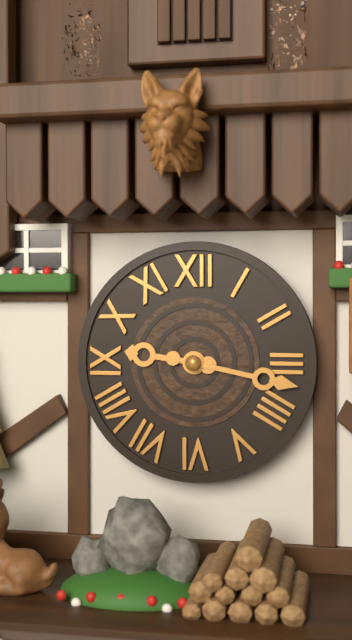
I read 9,17
